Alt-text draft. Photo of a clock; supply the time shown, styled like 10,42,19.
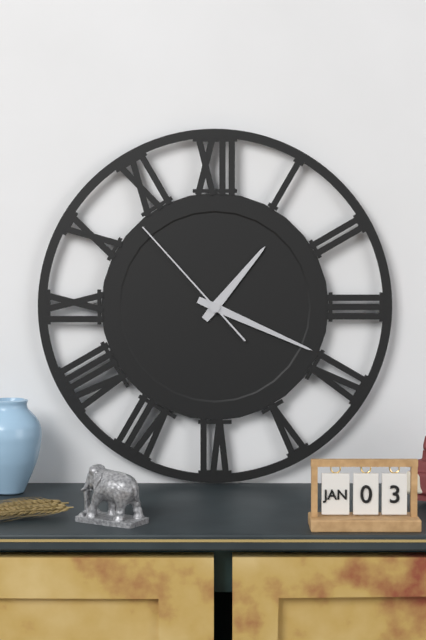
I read 1,19,53
